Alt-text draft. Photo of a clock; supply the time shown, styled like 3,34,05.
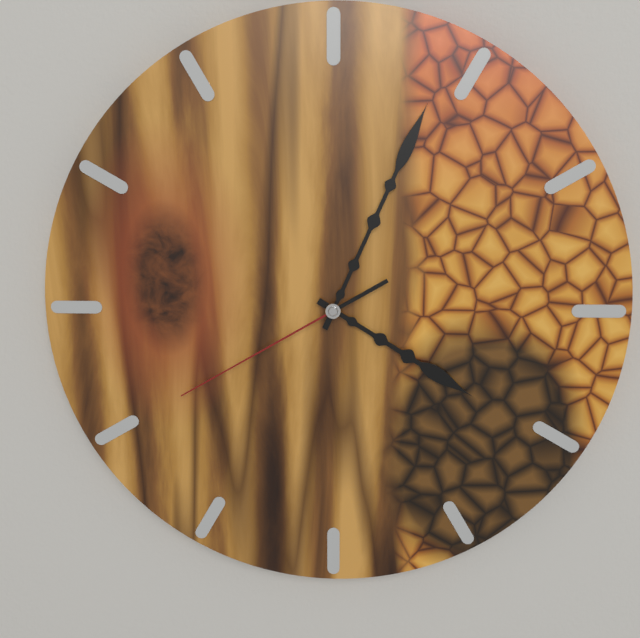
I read 4,04,40
